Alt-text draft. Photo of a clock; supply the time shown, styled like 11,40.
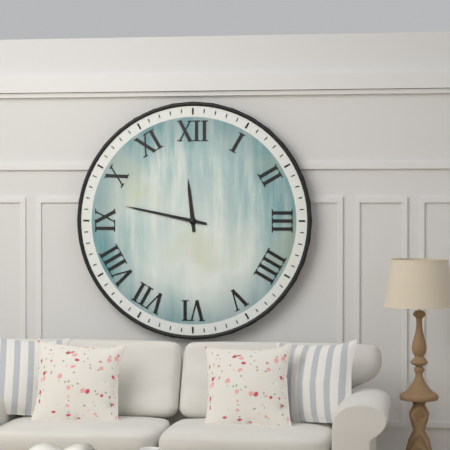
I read 11,47
